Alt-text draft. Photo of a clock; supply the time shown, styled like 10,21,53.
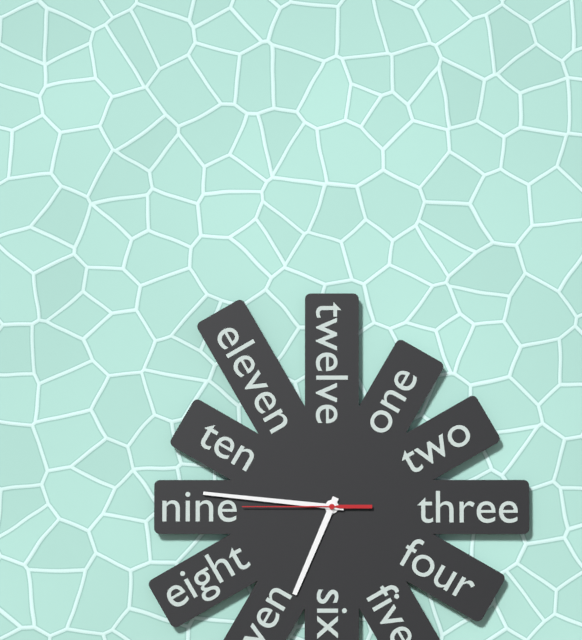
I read 6,46,45
